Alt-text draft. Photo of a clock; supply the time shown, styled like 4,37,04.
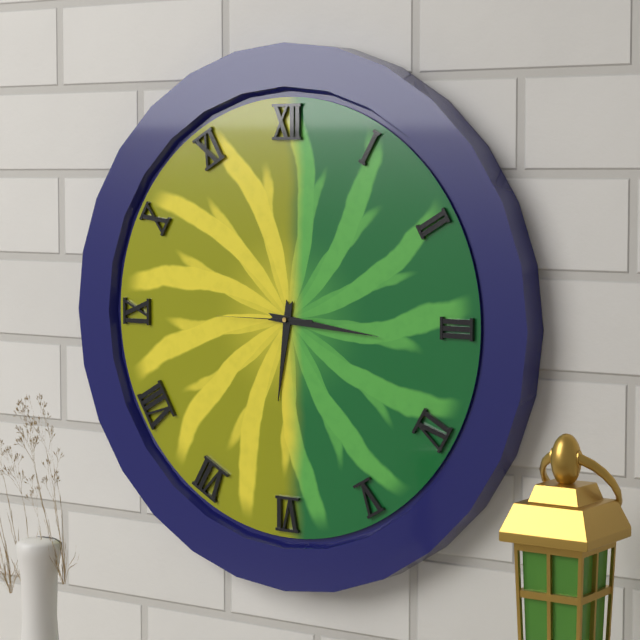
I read 6,16,45
